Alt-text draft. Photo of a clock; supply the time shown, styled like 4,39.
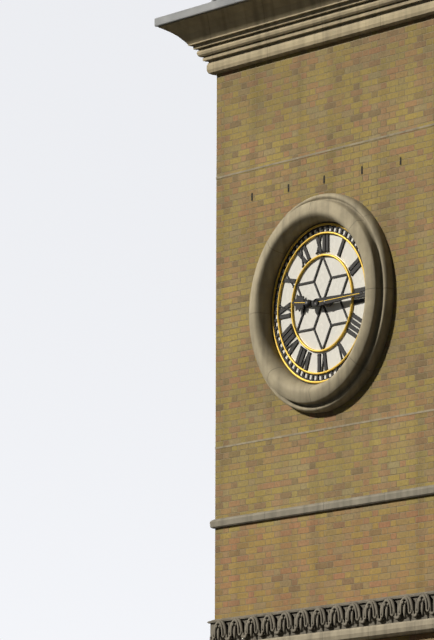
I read 9,15
